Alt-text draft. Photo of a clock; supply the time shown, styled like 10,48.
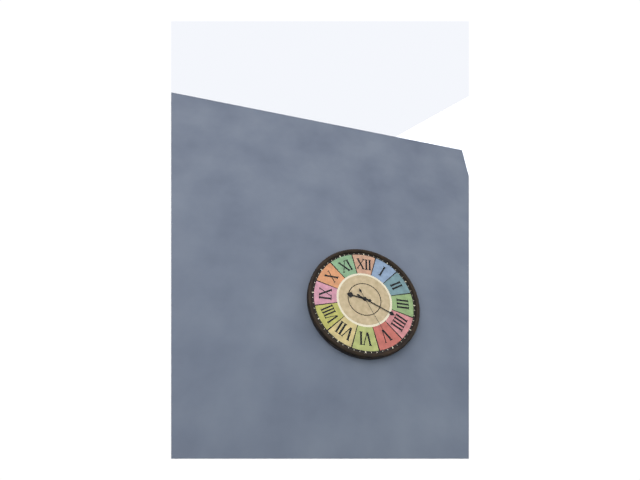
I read 9,19
